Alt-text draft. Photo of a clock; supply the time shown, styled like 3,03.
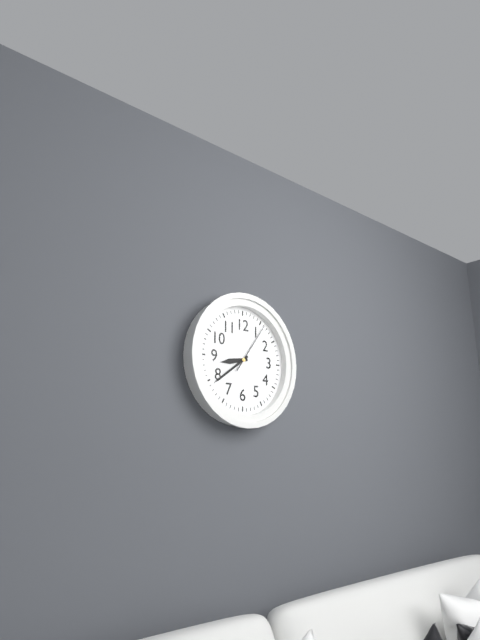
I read 8,39
